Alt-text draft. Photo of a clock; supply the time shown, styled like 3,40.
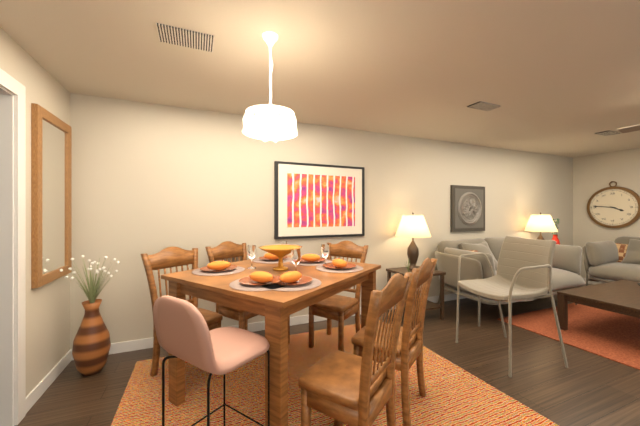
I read 3,46
